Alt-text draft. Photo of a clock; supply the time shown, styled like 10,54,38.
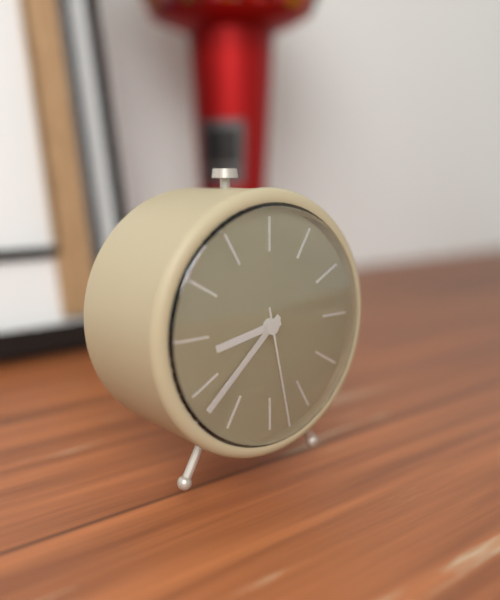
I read 8,38,28
